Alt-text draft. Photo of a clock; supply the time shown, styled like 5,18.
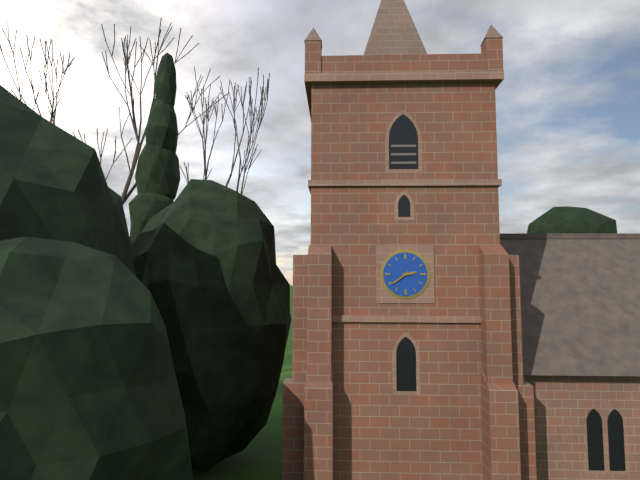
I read 2,39
